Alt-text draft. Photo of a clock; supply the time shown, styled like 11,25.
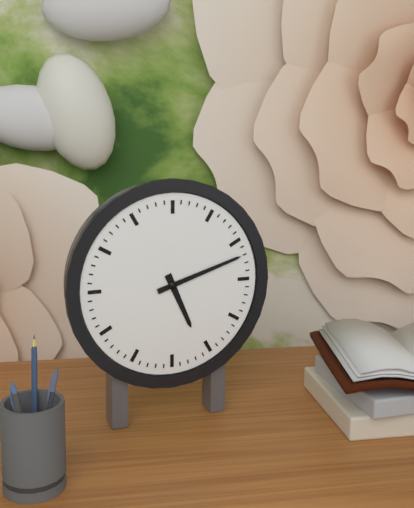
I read 5,12
